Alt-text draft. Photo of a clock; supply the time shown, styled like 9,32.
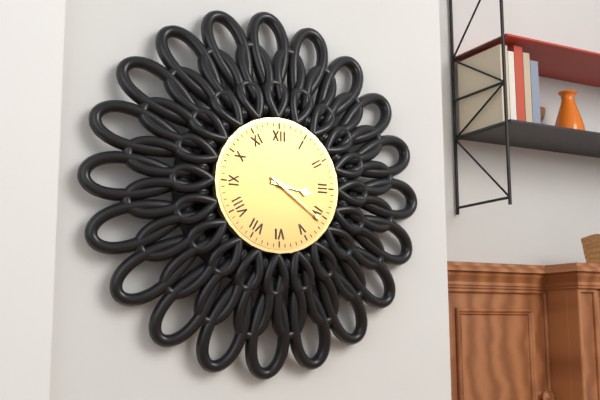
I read 3,21
